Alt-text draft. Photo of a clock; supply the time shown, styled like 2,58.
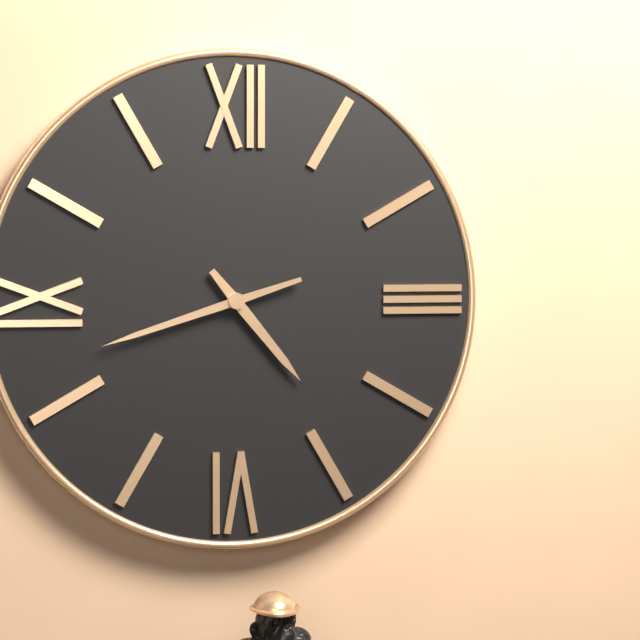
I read 4,42
